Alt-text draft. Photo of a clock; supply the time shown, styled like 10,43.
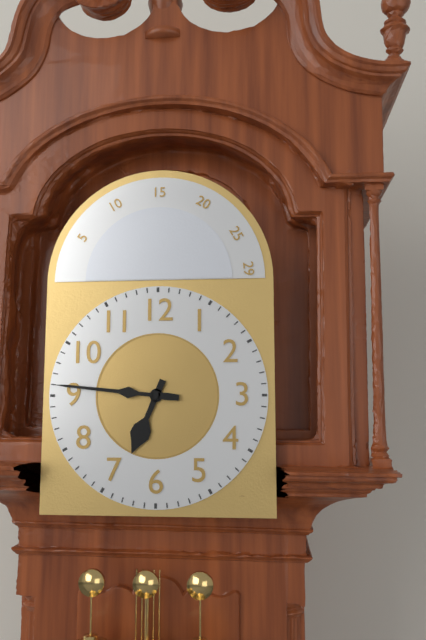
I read 6,46
